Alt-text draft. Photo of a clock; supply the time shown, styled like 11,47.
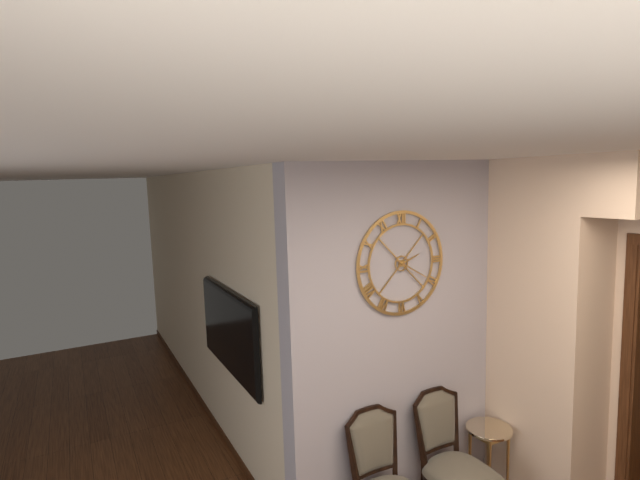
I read 2,20
